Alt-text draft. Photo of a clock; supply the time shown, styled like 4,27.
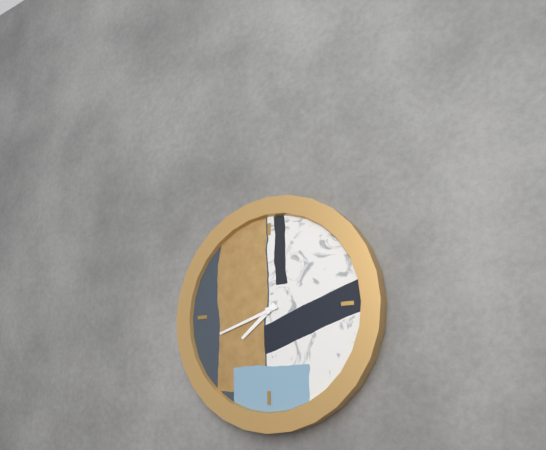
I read 7,42
